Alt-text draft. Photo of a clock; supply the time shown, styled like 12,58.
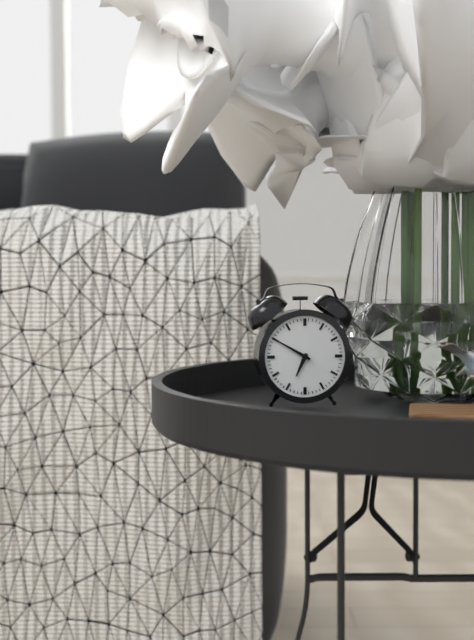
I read 6,50
